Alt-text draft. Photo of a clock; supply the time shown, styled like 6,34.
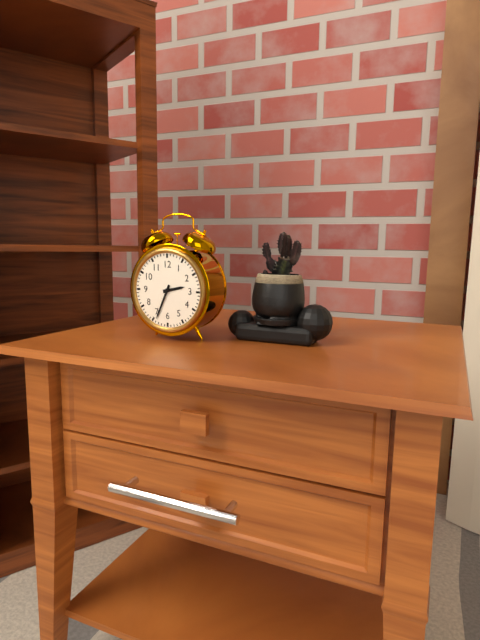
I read 2,34
